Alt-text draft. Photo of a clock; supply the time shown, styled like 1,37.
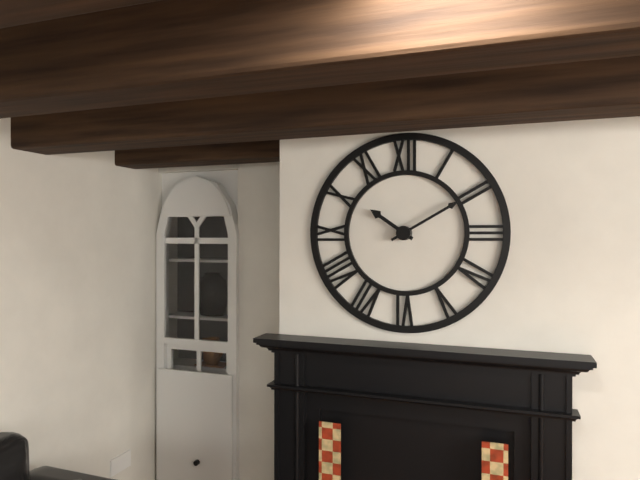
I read 10,10
